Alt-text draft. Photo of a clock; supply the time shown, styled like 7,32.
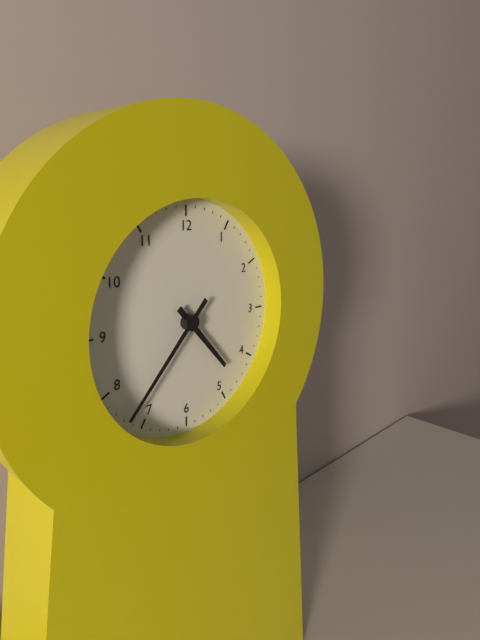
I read 4,37
